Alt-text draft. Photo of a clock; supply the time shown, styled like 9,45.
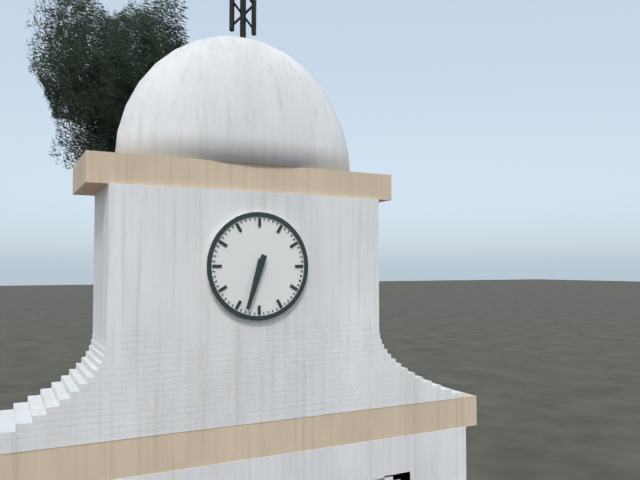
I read 6,33
